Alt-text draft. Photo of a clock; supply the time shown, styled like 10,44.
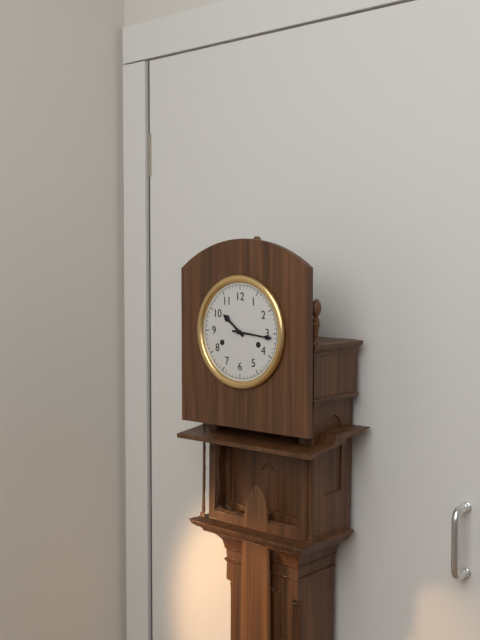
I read 10,16
